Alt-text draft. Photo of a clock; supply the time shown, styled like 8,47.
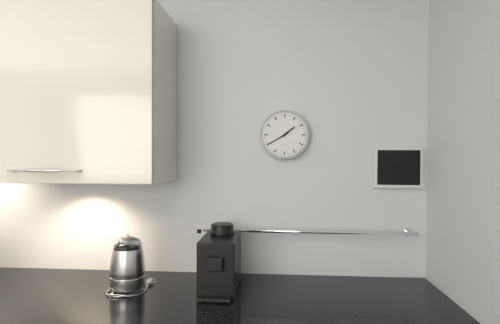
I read 1,40
